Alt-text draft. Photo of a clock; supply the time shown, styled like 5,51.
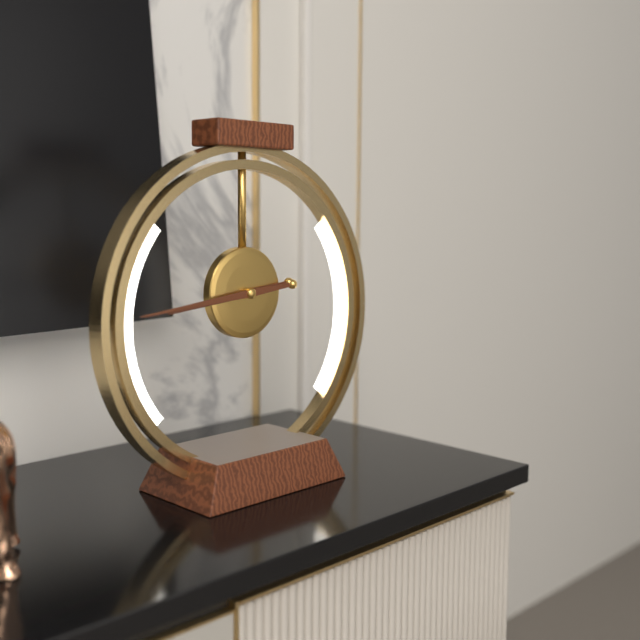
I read 8,44
